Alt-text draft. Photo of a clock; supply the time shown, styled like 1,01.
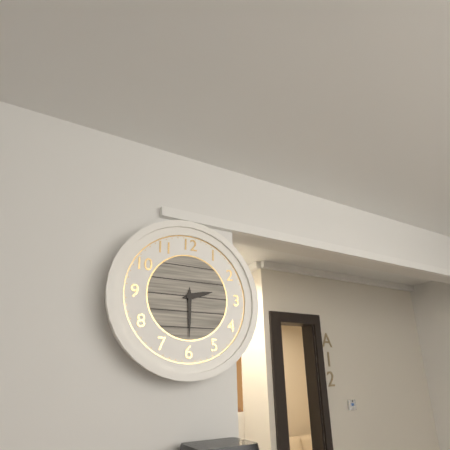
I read 2,30
